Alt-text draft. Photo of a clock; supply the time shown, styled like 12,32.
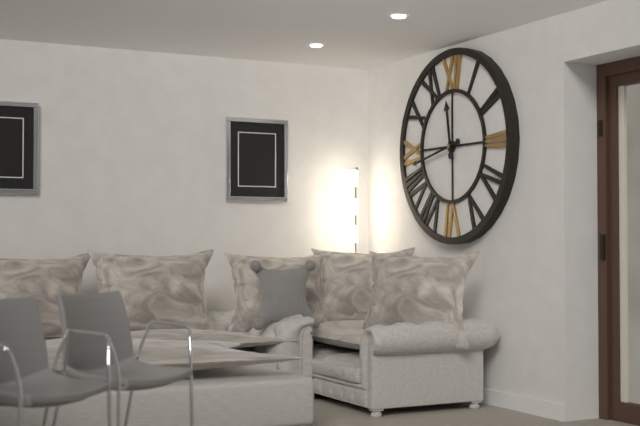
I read 11,43
